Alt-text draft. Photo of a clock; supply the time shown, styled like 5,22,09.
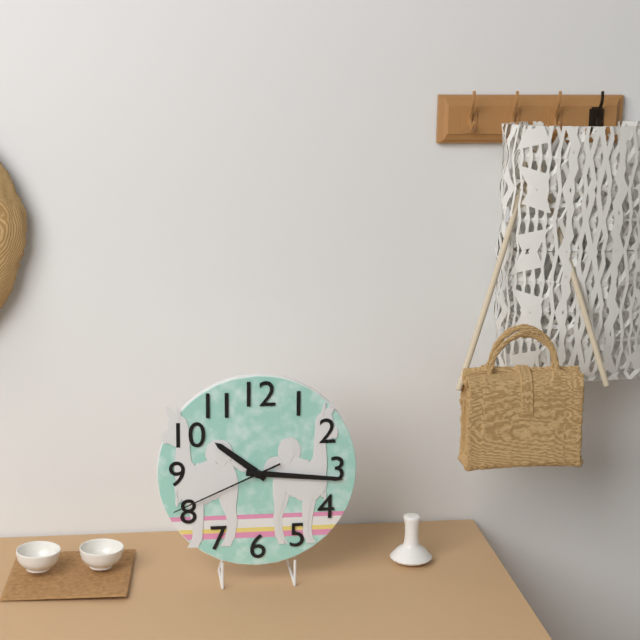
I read 10,16,41
